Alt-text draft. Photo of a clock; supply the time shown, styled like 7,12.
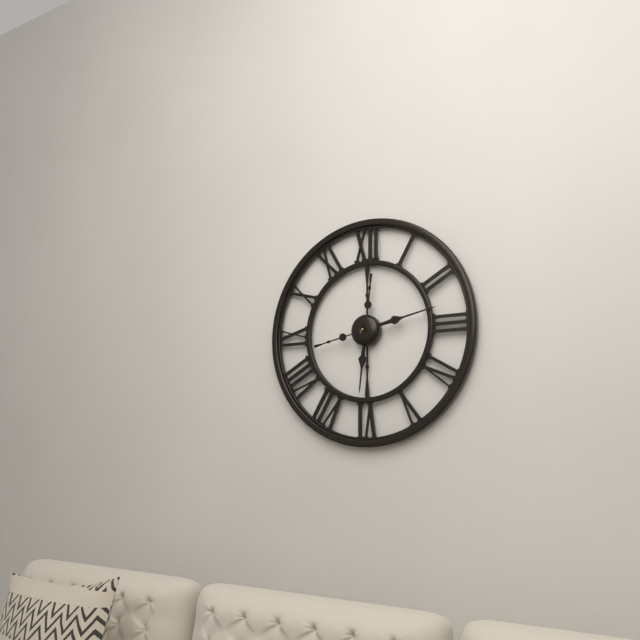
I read 6,13
